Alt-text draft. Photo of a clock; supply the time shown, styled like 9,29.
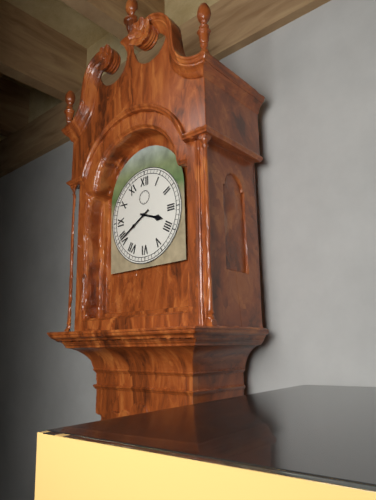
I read 3,40
